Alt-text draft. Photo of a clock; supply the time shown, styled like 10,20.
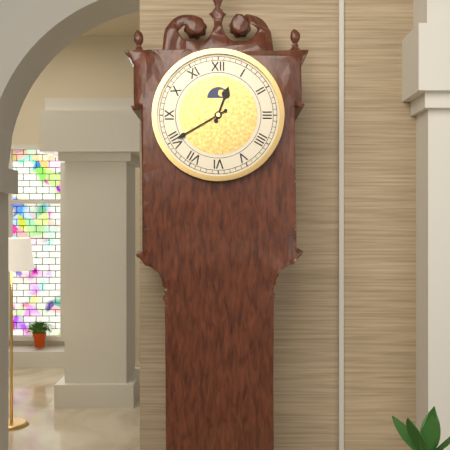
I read 12,40
